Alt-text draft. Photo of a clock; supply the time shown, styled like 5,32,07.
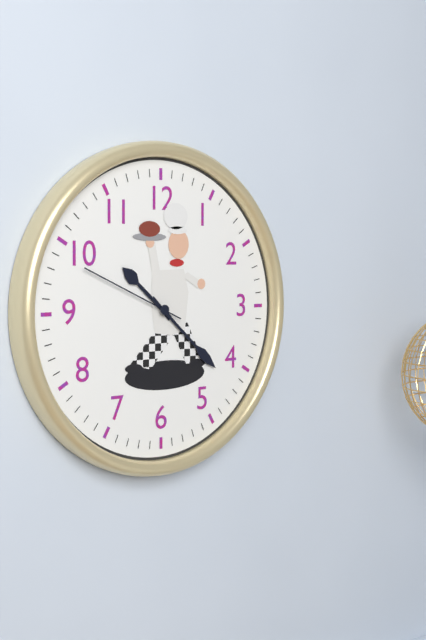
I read 10,22,49
